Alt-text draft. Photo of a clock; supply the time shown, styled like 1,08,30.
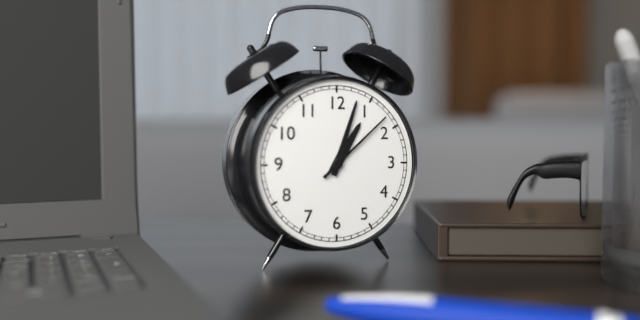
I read 1,03,08
